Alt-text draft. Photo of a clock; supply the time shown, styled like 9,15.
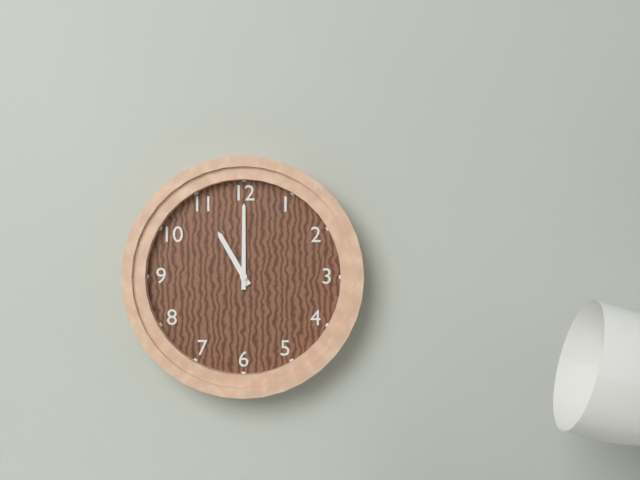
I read 11,00
